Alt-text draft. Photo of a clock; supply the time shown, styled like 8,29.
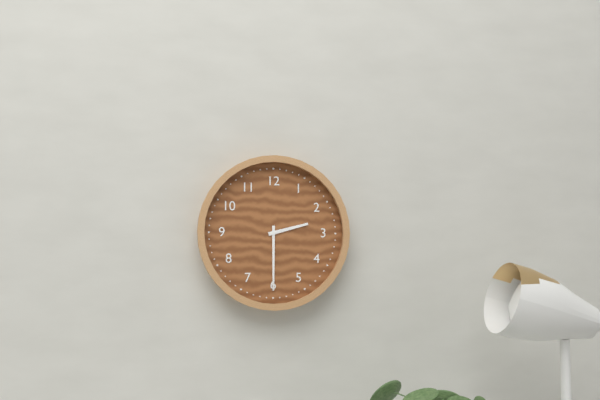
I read 2,30
